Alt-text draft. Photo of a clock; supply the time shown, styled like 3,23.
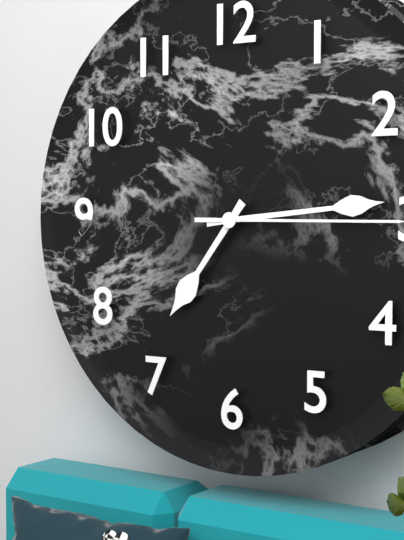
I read 7,14
